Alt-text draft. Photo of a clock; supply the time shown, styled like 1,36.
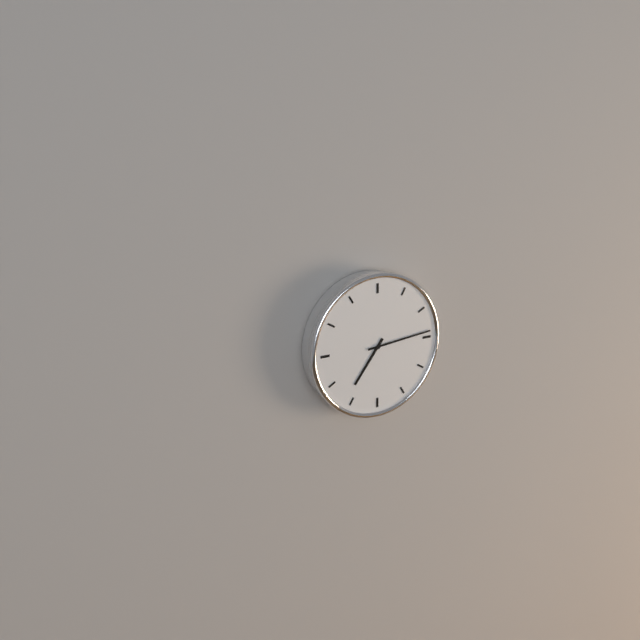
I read 7,14
